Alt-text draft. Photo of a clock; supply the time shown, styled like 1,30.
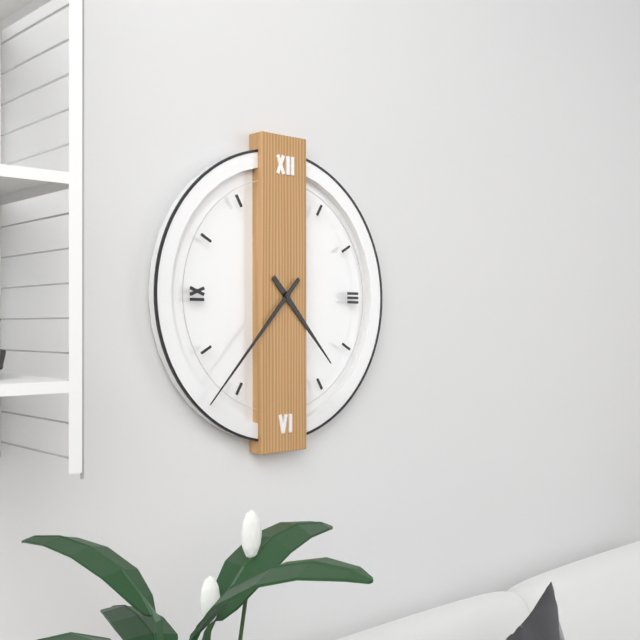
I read 4,37
